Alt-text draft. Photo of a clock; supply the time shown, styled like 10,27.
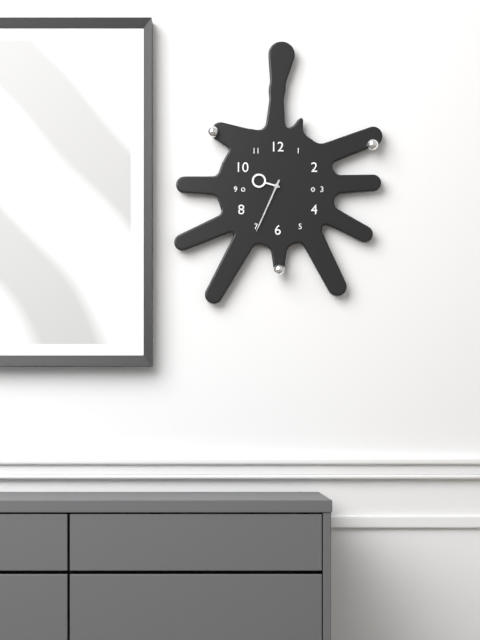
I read 9,34
